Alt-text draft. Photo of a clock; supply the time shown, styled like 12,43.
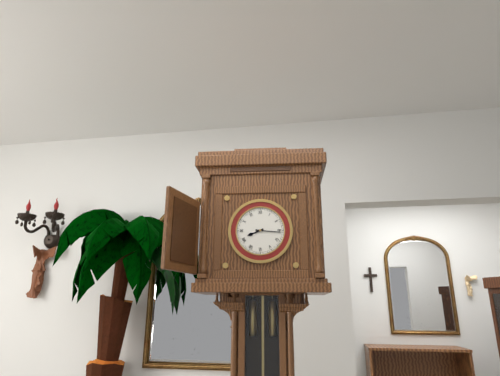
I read 8,16
